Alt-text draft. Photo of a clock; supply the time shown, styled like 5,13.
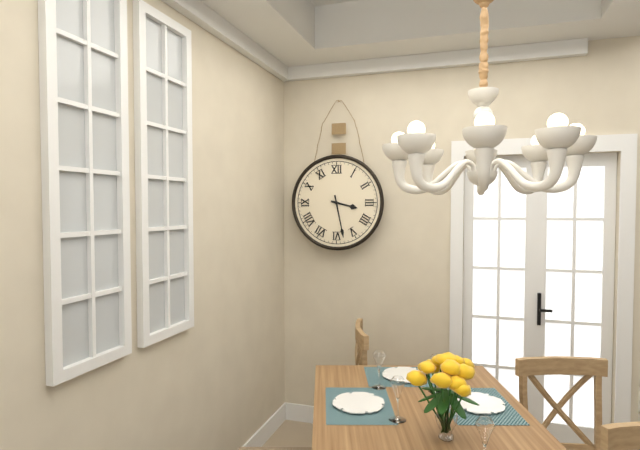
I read 3,28
